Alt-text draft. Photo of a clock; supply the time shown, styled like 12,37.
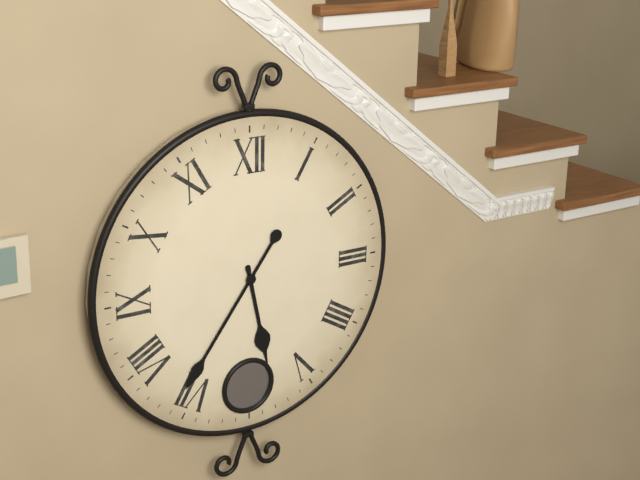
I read 5,36
